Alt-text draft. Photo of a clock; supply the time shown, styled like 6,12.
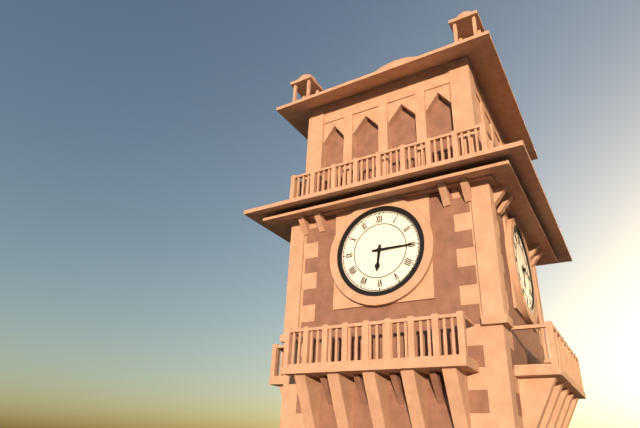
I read 6,15
